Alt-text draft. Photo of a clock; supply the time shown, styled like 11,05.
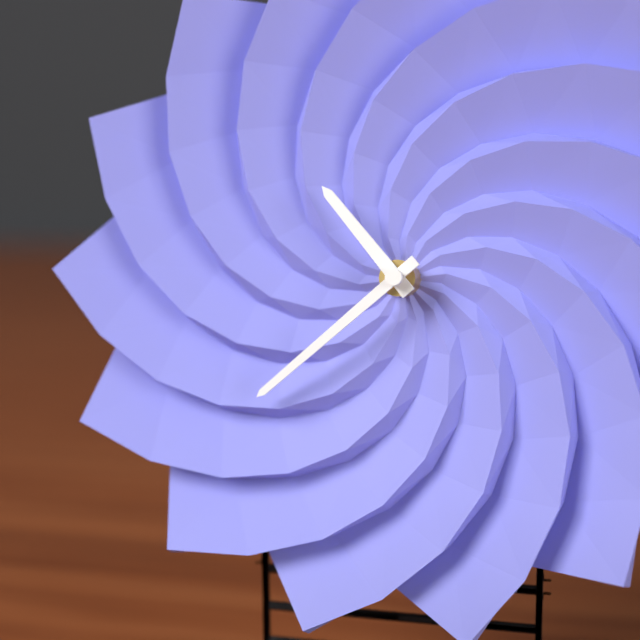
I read 10,38
